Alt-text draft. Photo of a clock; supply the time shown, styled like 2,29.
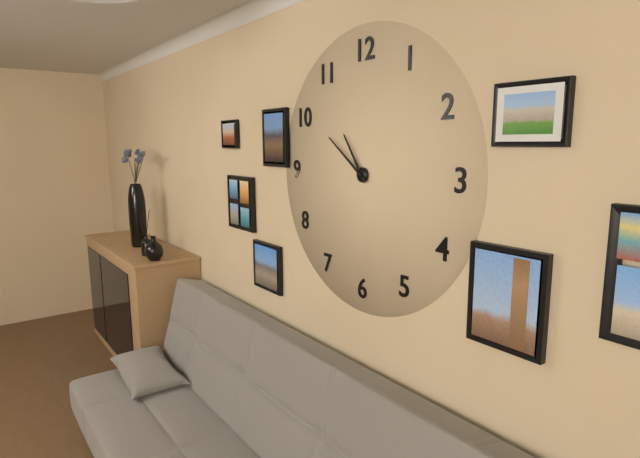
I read 10,51
